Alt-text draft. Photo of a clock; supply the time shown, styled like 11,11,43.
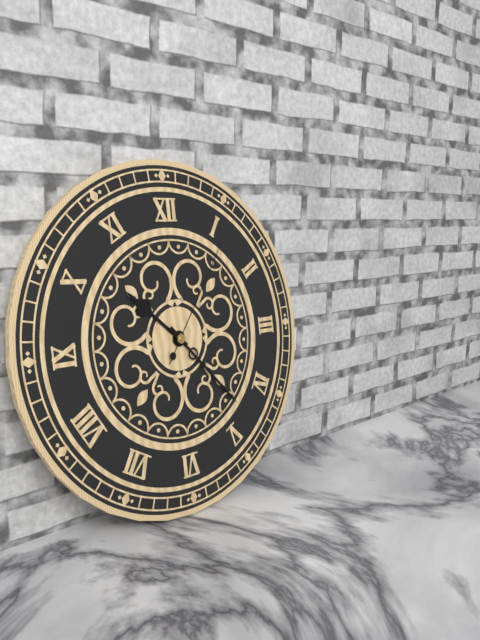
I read 10,23,06
